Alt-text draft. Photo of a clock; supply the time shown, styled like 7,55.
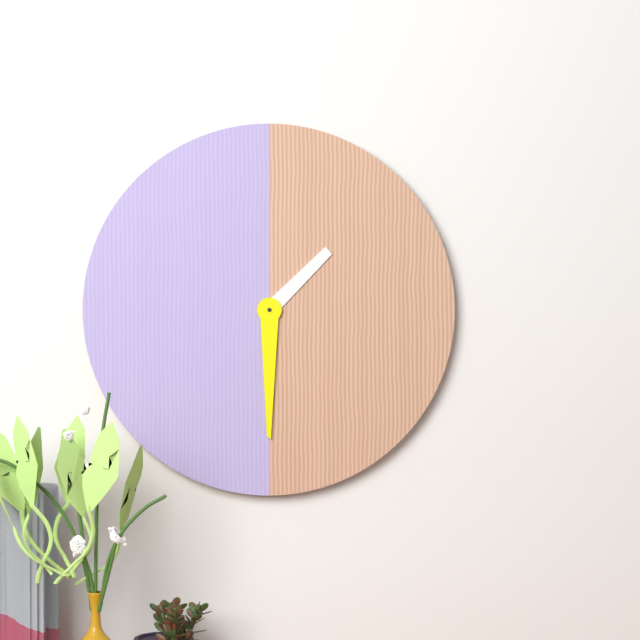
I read 1,30
